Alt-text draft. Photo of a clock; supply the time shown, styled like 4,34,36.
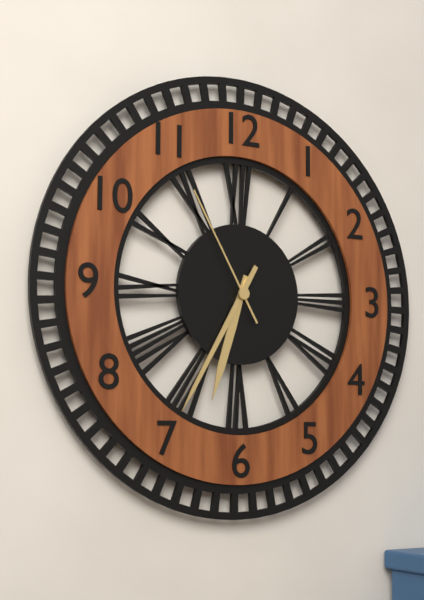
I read 6,35,55
